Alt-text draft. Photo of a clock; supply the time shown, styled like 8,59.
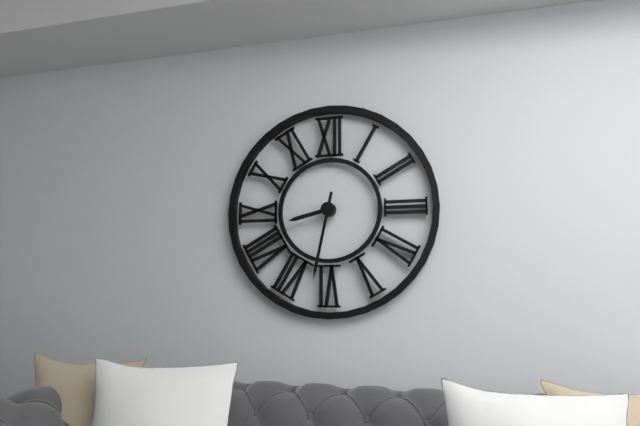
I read 8,32
